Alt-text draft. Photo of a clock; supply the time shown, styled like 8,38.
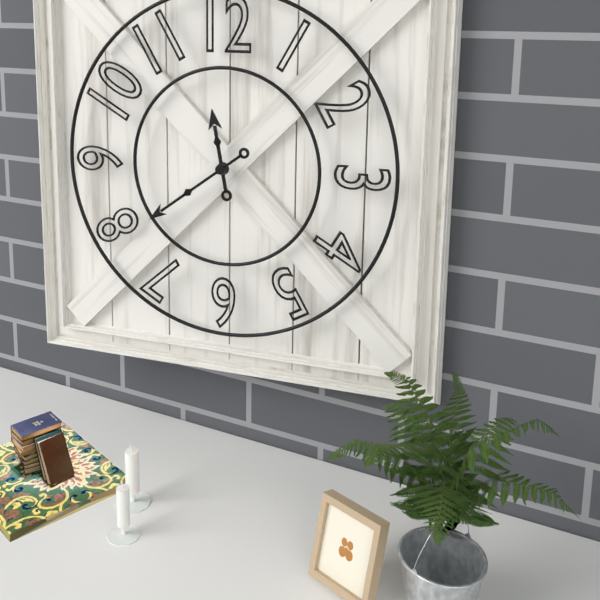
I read 11,39
